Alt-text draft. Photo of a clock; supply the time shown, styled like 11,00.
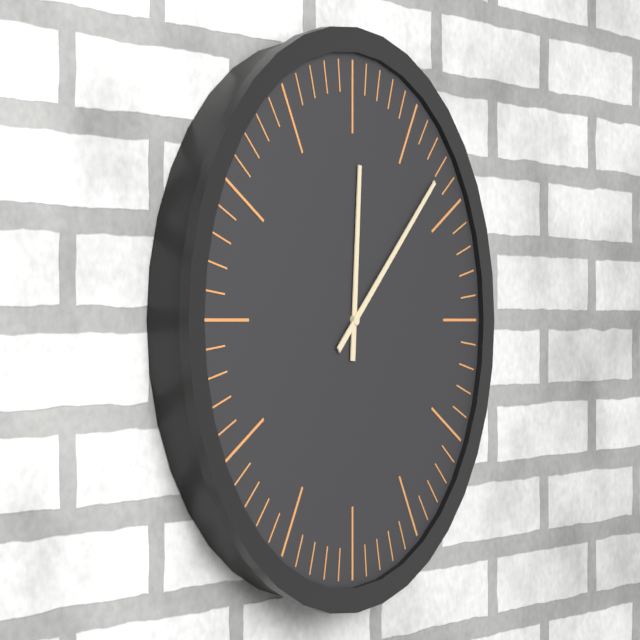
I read 12,08
